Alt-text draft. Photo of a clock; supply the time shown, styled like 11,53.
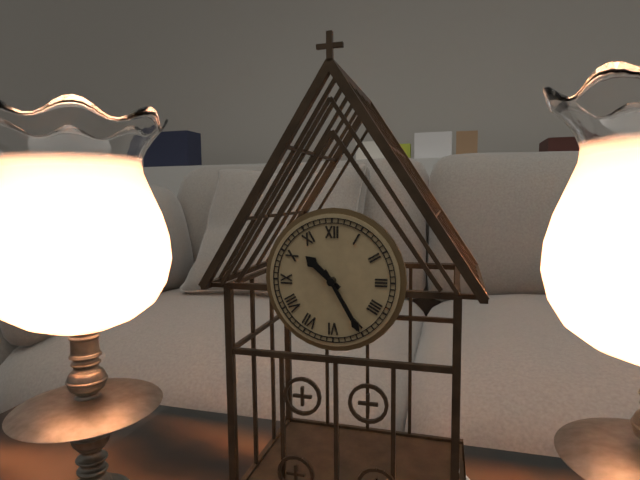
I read 10,25
